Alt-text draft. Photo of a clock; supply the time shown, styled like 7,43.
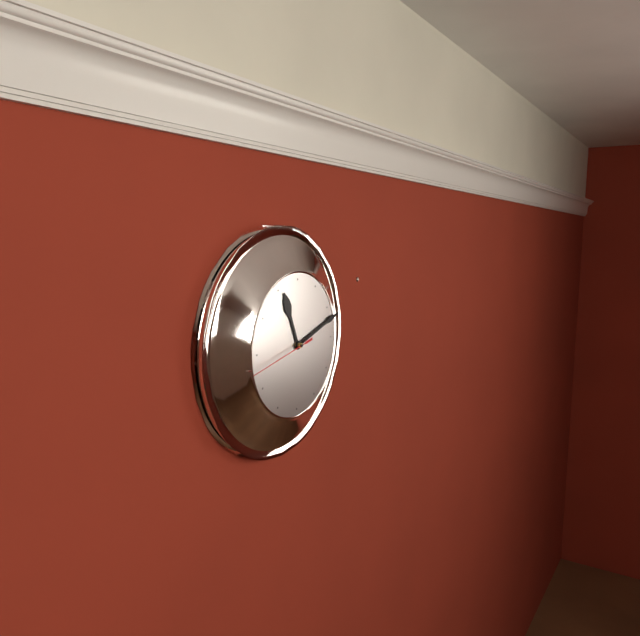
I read 11,12
